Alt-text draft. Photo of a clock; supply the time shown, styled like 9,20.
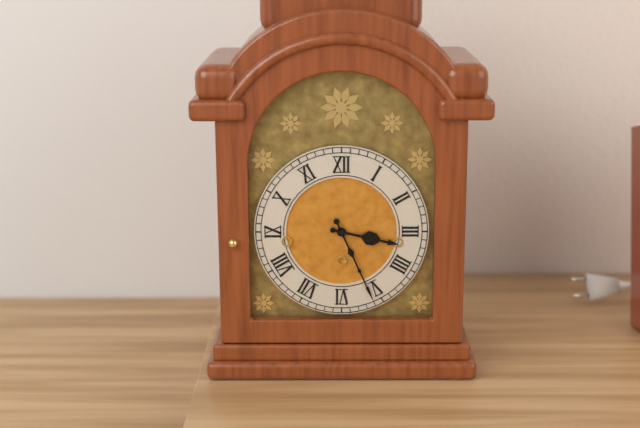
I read 3,26
